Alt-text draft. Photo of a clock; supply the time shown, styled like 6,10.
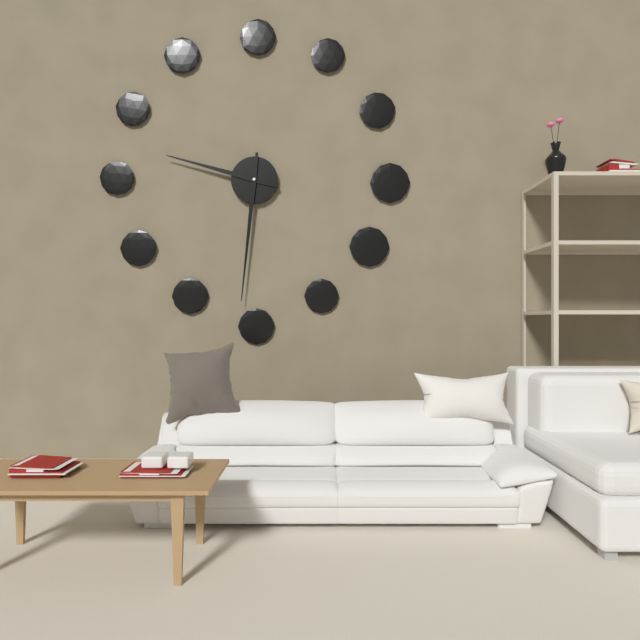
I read 9,31
